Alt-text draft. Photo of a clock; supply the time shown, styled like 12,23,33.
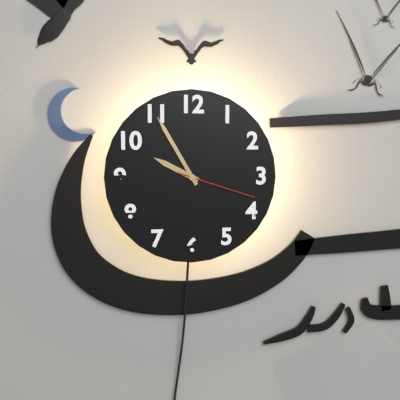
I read 9,55,18
